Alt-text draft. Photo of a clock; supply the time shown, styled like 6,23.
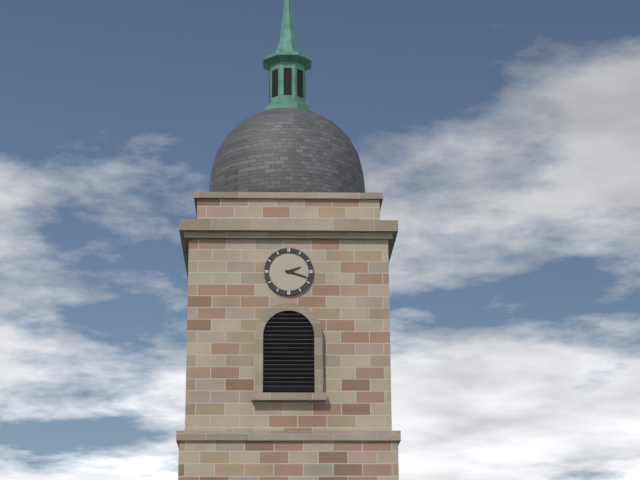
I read 2,18
